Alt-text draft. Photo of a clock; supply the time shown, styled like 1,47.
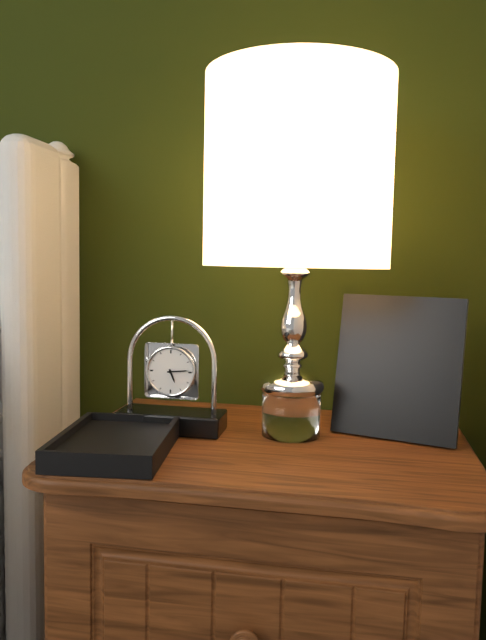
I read 5,14
